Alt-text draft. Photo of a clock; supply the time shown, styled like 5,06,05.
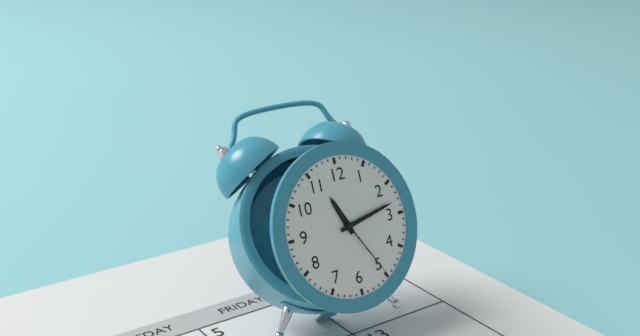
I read 11,13,25
